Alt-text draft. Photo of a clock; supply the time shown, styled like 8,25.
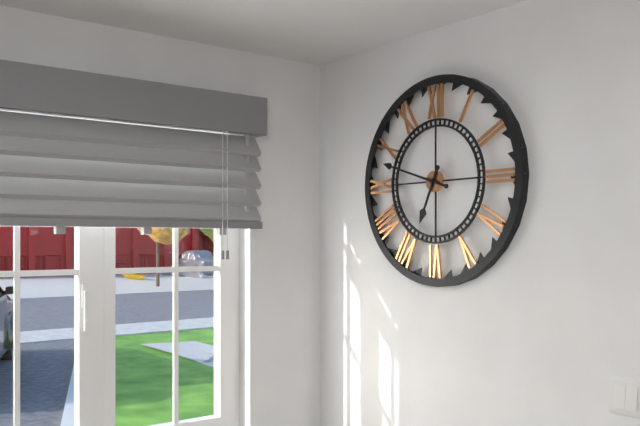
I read 6,48
